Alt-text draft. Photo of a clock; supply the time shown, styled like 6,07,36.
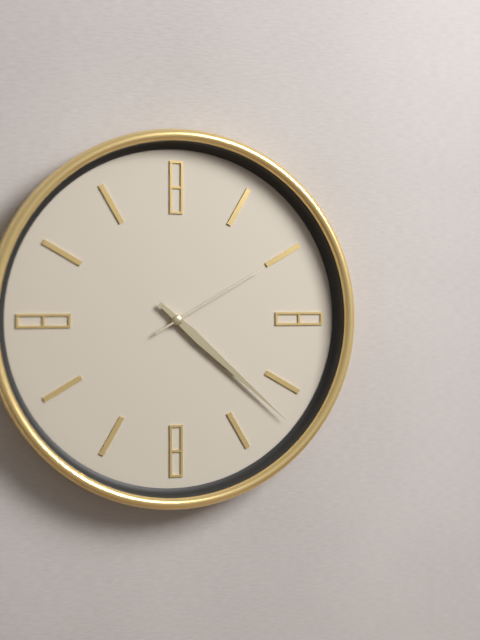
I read 4,22,10
